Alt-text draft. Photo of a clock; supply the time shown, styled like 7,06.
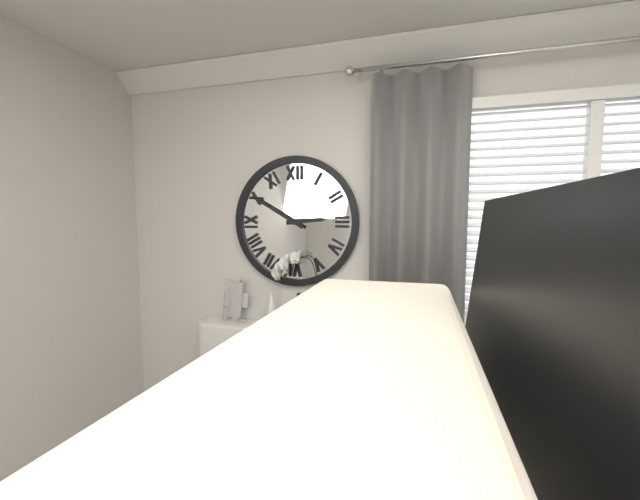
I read 2,50
